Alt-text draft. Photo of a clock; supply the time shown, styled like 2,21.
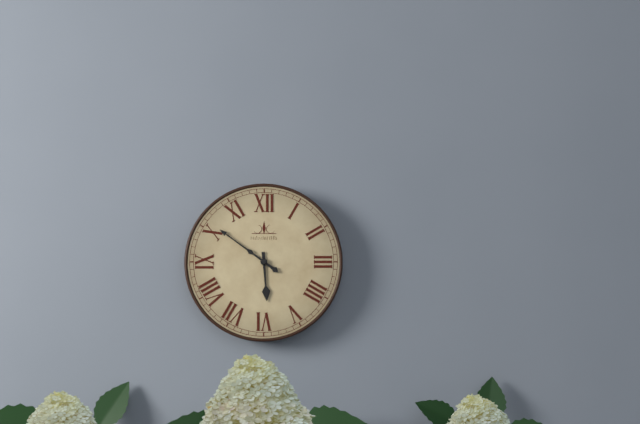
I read 5,51
